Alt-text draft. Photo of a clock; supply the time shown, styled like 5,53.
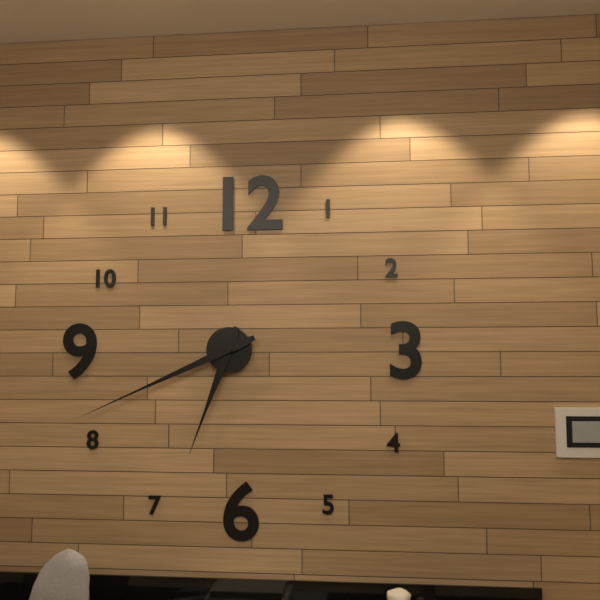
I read 6,41
